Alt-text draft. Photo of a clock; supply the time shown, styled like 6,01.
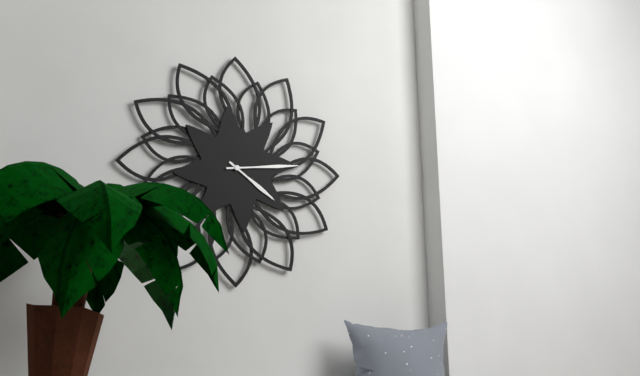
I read 4,14
